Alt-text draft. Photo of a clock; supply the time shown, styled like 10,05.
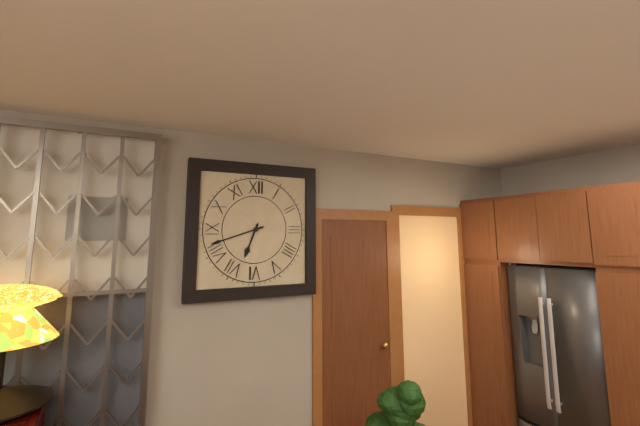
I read 6,42
